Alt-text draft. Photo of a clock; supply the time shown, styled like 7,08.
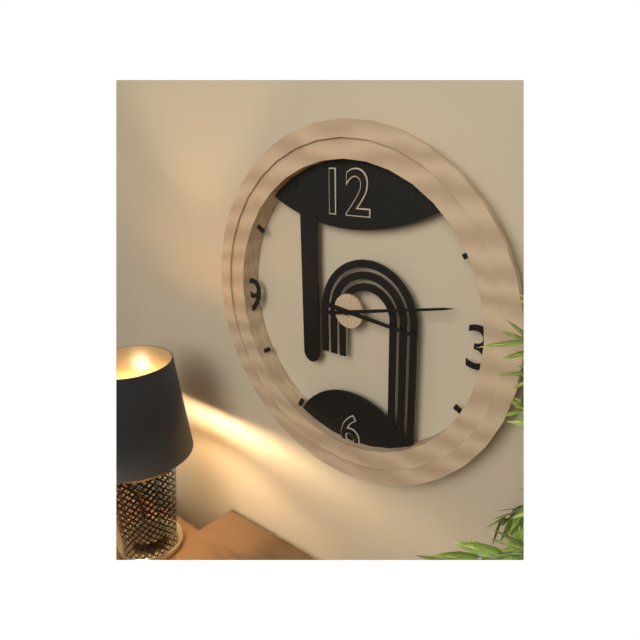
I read 3,13
